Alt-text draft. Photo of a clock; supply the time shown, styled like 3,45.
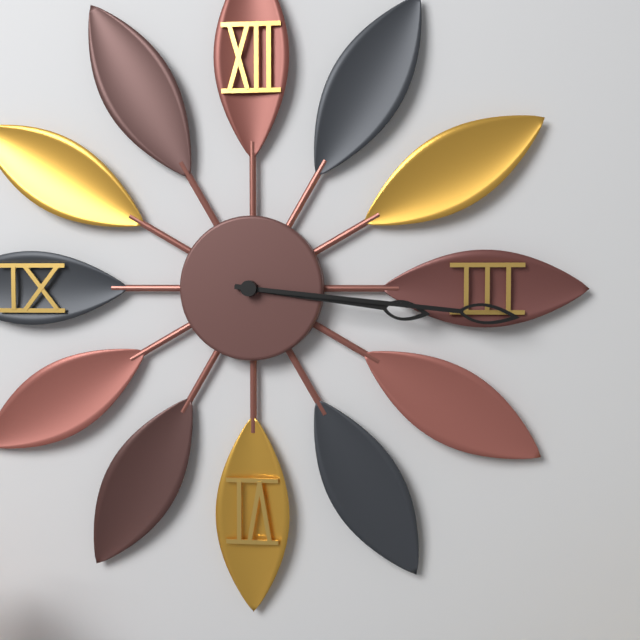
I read 3,16
